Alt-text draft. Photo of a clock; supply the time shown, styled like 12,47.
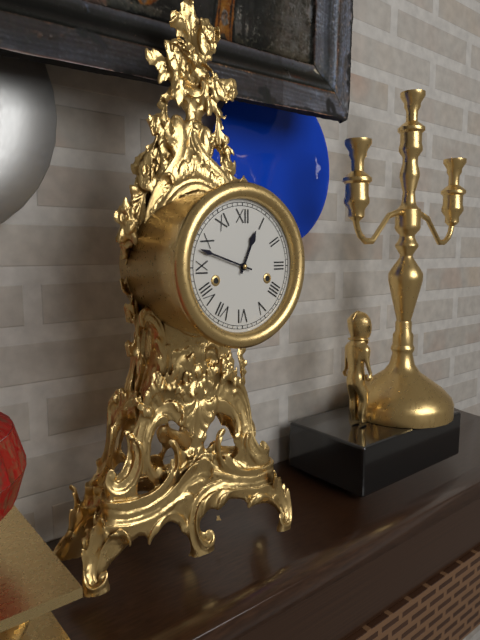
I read 12,48
